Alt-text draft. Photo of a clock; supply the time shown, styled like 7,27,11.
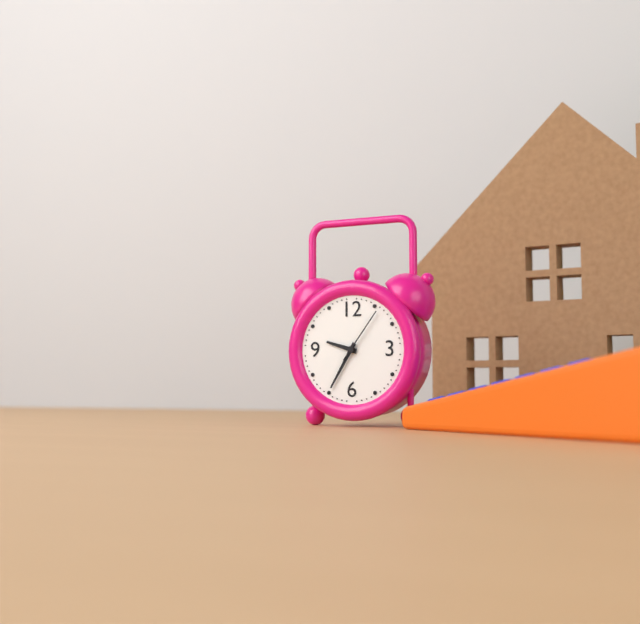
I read 9,35,06
